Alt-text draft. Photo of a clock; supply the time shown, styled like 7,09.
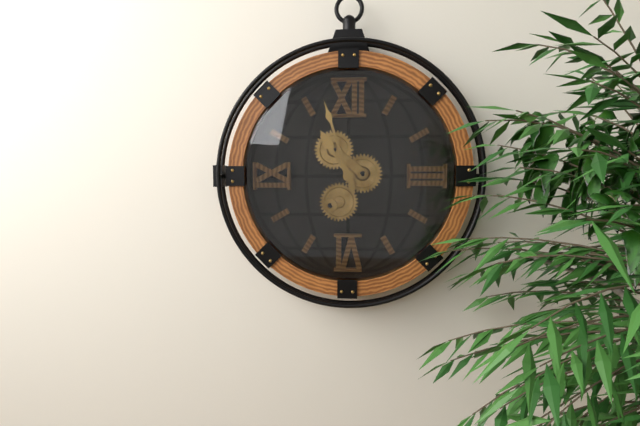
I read 10,57
